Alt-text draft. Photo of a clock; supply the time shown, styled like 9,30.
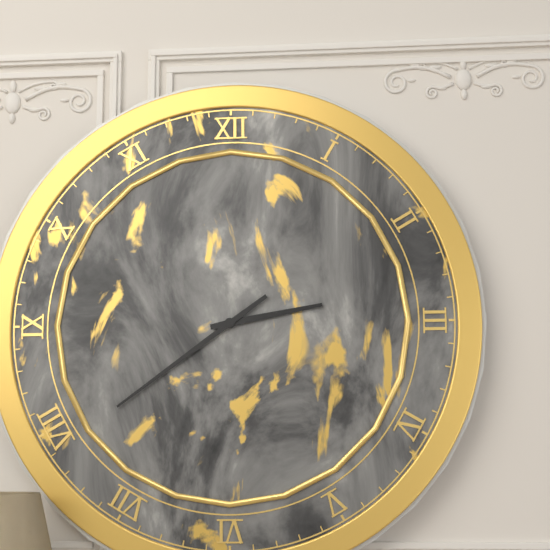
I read 2,39
